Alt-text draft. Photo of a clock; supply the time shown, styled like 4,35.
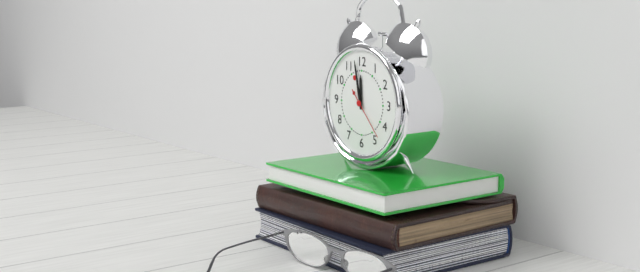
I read 11,58
